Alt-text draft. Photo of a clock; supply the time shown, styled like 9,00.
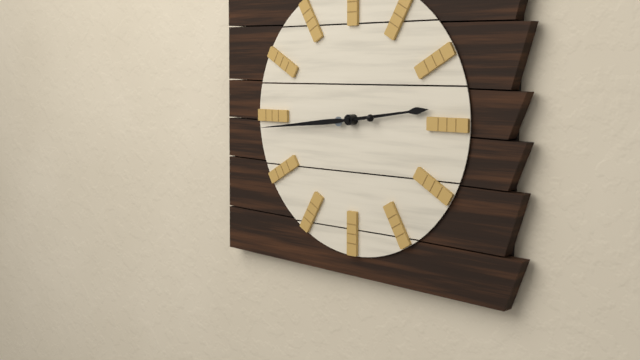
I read 2,44
